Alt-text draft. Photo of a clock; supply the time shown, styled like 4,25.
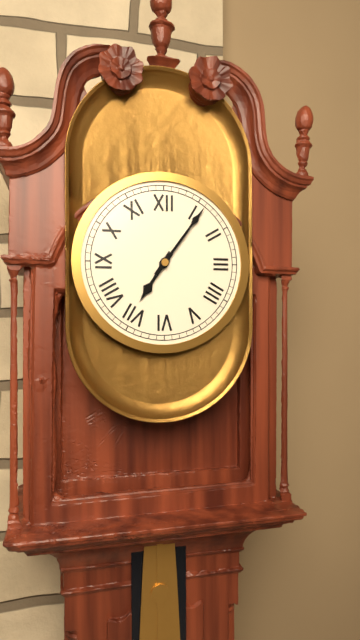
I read 7,06
